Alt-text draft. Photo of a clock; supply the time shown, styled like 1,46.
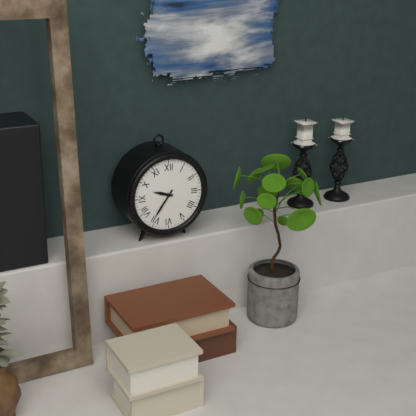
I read 9,36
